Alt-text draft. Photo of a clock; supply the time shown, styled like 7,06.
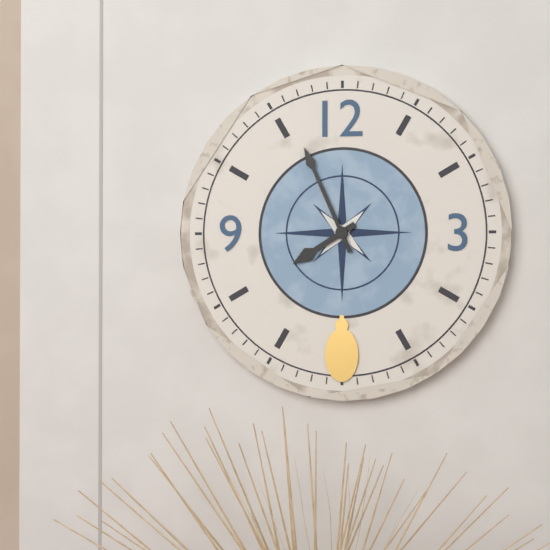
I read 7,56
